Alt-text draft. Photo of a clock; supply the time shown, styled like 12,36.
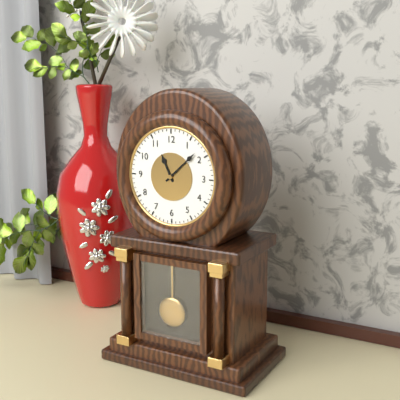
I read 11,08
